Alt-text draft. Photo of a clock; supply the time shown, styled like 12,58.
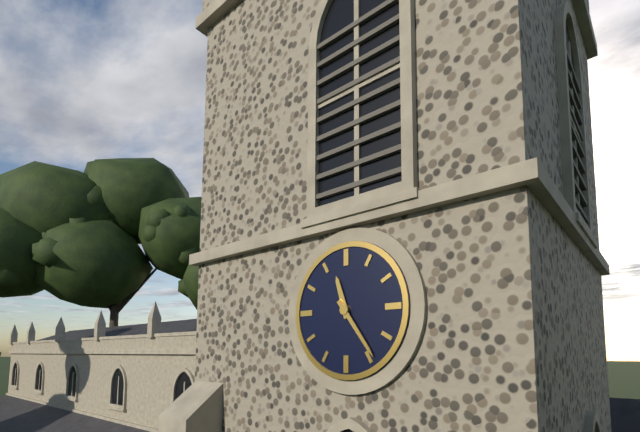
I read 11,24
